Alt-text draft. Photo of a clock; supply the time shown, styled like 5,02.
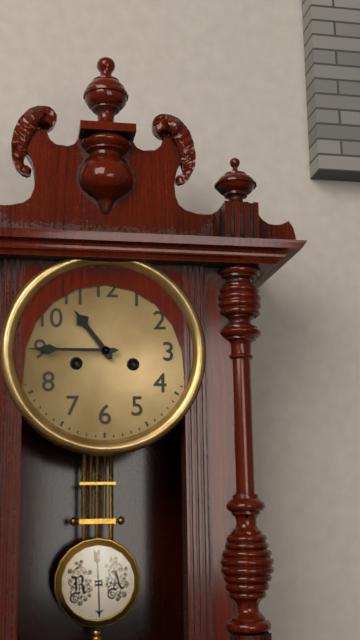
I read 10,45
